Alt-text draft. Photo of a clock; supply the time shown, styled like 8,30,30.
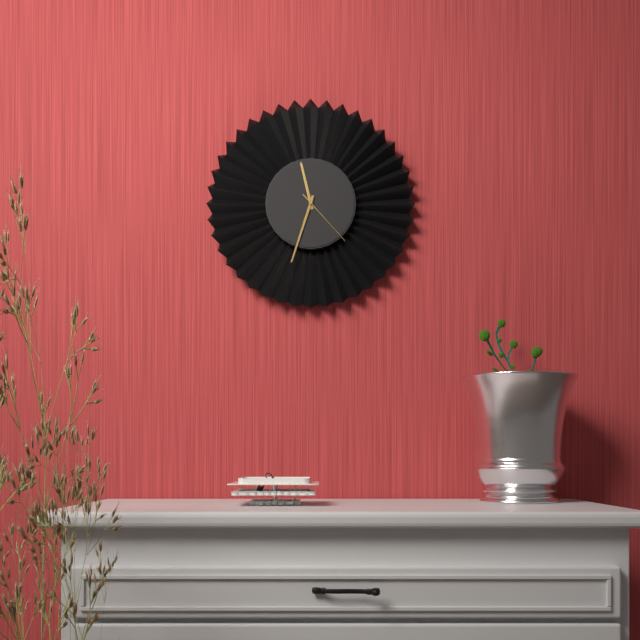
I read 11,33,23
